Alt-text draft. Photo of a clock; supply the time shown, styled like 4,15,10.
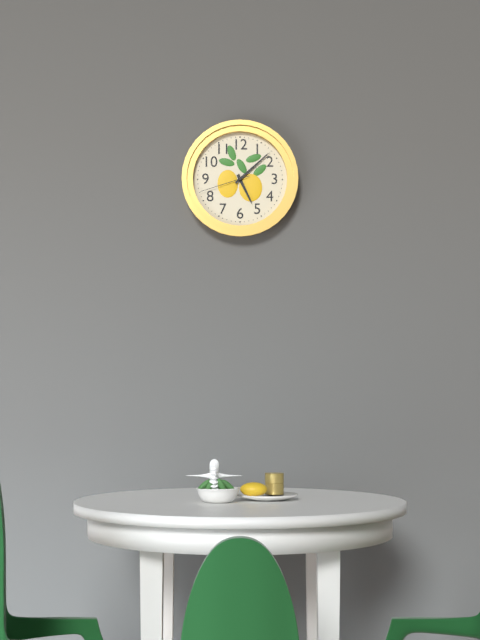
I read 5,08,42
